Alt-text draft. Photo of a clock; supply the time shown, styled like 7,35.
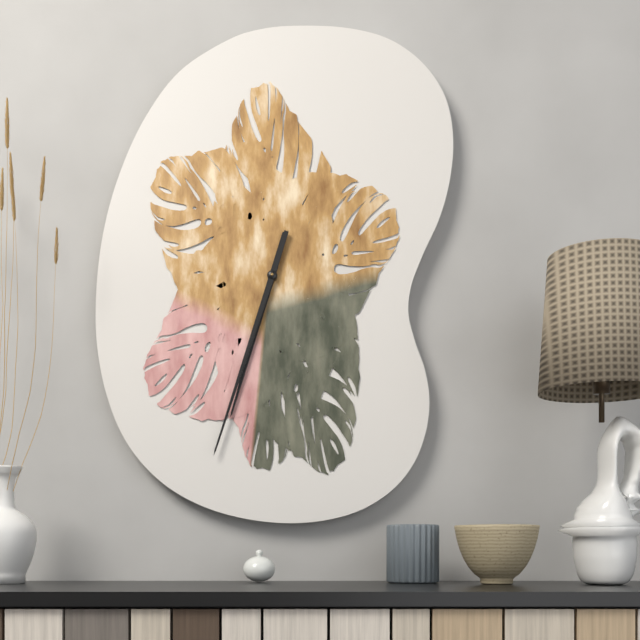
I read 6,33
